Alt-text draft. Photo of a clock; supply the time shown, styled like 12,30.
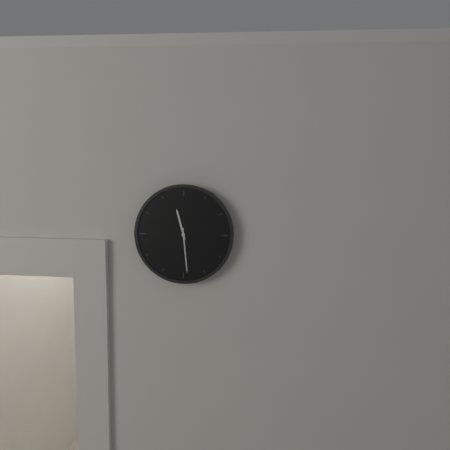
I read 11,29
